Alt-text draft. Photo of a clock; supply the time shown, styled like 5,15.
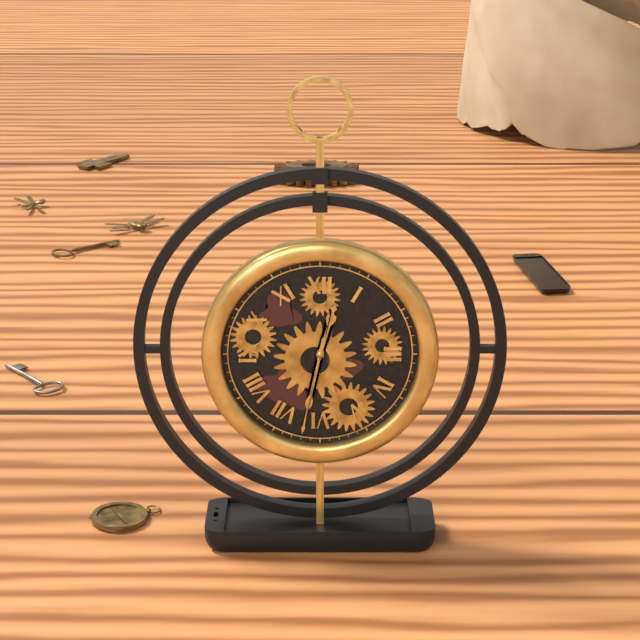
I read 12,32
